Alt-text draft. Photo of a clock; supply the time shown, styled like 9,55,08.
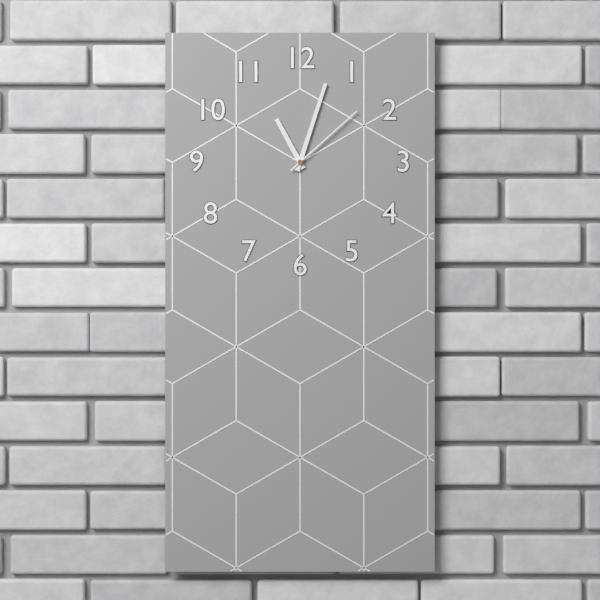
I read 11,03,08
